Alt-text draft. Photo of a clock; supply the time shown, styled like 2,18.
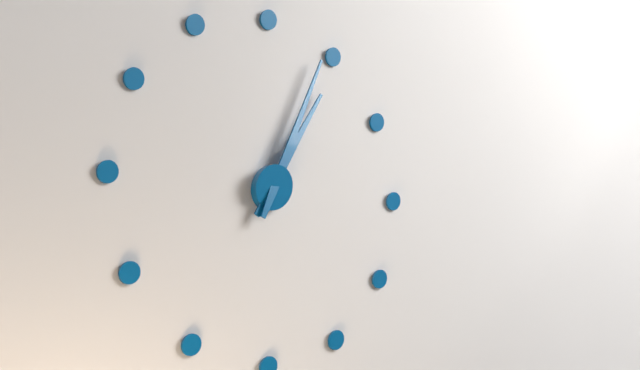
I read 1,04
